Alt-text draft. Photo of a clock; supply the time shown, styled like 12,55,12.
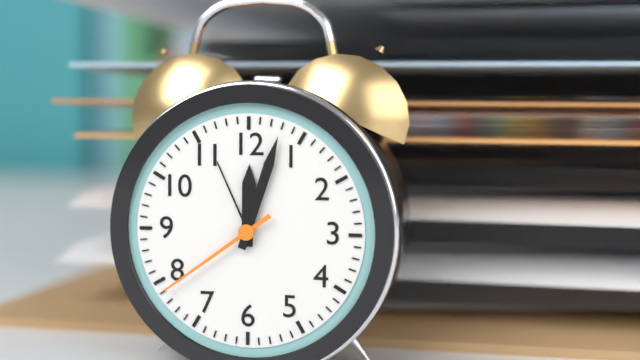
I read 12,03,39
